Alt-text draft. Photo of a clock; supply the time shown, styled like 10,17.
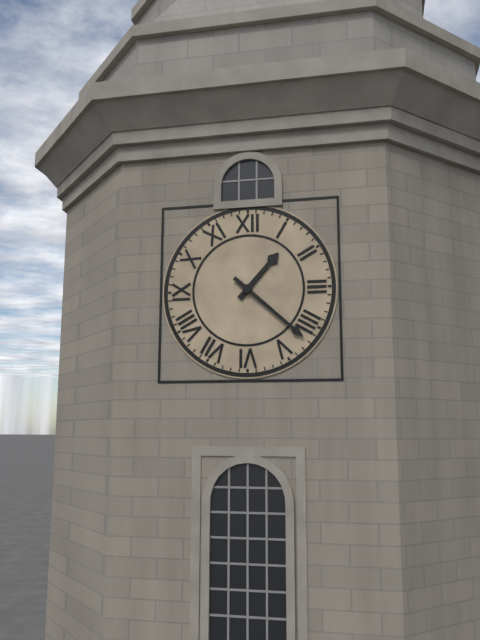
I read 1,22
